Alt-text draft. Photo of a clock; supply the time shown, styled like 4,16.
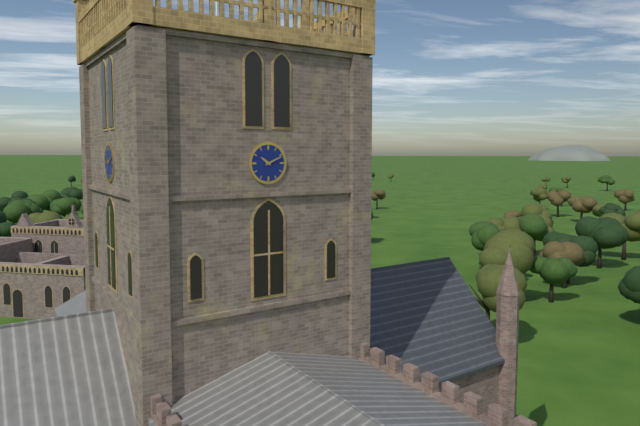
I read 10,11
